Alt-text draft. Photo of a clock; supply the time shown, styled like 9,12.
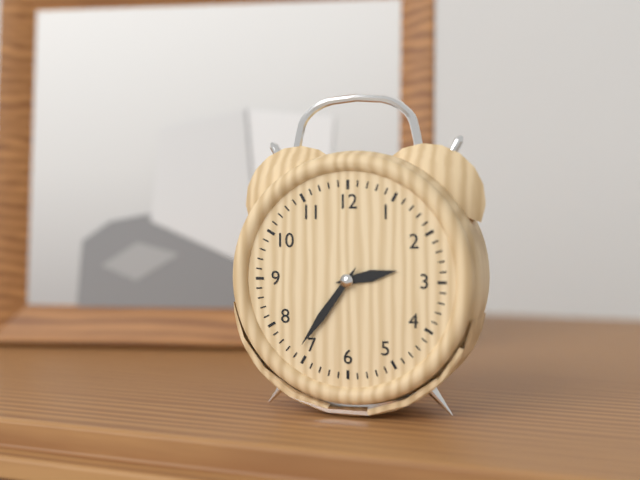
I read 2,36
